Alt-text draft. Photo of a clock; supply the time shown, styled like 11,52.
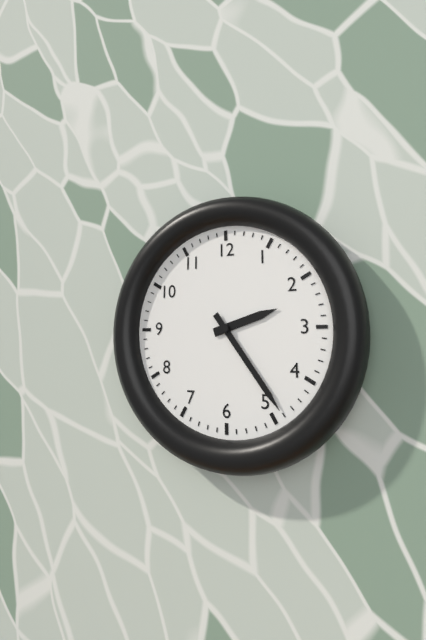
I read 2,24
